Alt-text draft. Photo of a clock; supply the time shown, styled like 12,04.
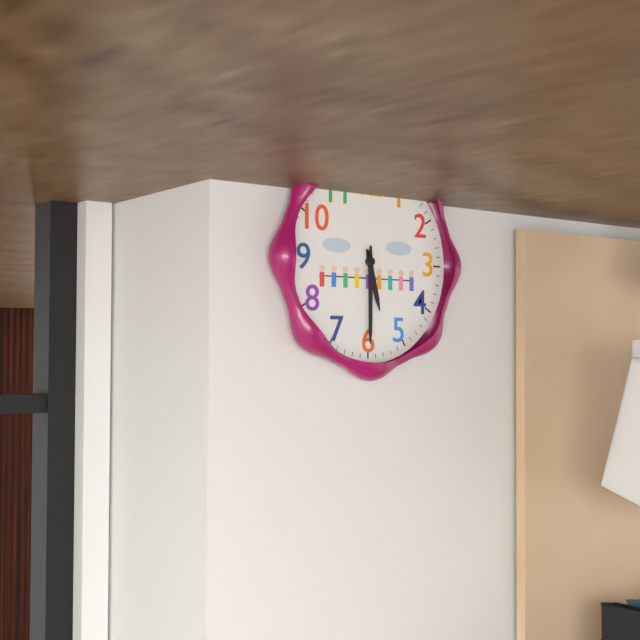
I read 5,30
